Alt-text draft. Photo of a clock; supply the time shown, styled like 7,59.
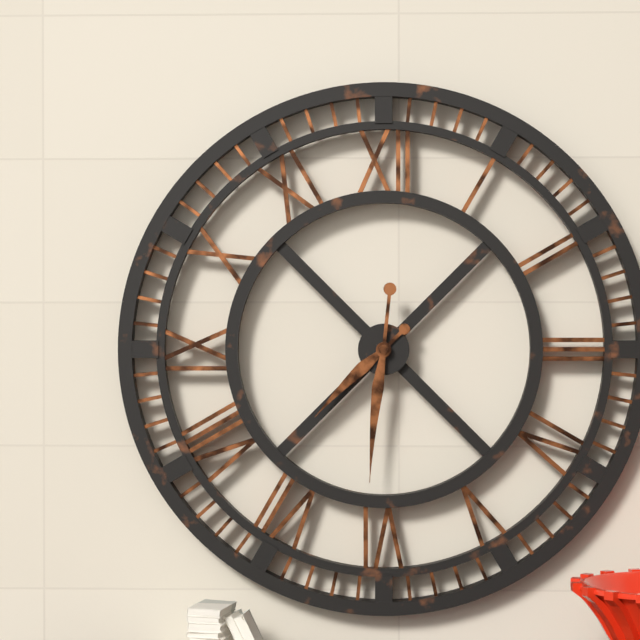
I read 7,31
